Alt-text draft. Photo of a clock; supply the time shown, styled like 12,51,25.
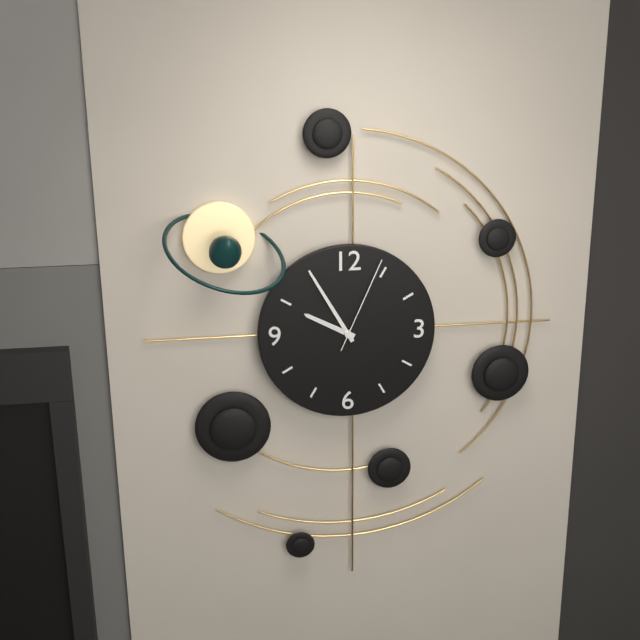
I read 9,55,04
